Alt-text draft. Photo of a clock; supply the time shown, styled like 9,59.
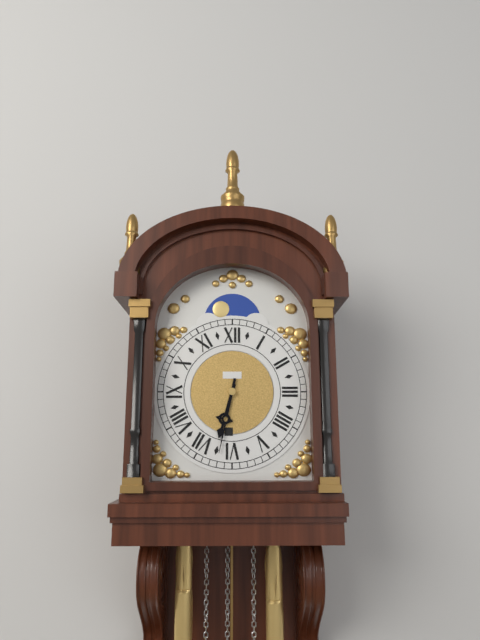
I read 6,32
